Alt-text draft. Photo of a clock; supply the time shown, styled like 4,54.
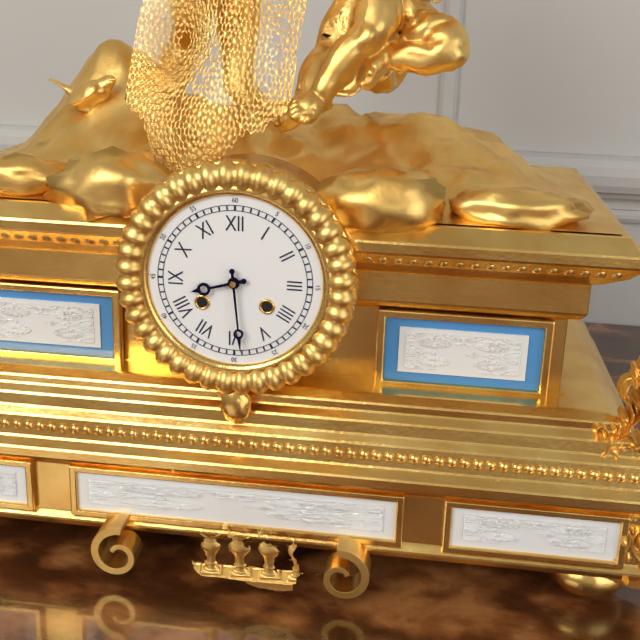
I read 8,29
